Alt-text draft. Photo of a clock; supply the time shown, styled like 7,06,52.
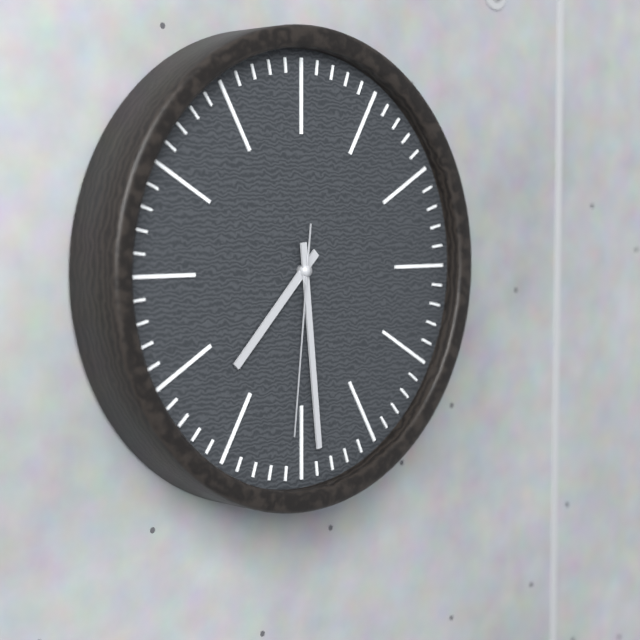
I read 7,29,31
